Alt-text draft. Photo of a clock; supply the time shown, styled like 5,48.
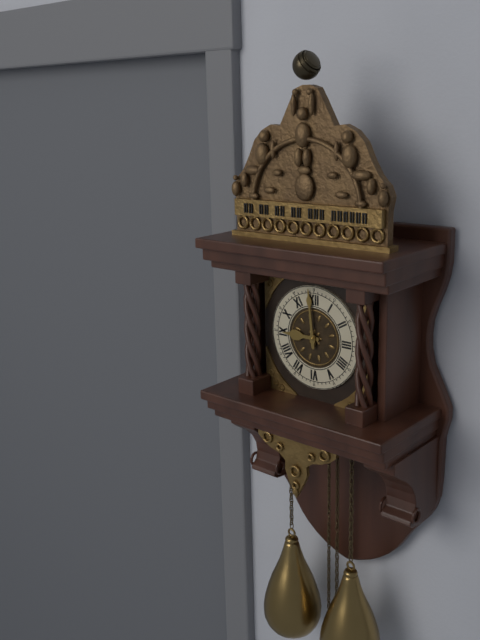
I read 8,59
